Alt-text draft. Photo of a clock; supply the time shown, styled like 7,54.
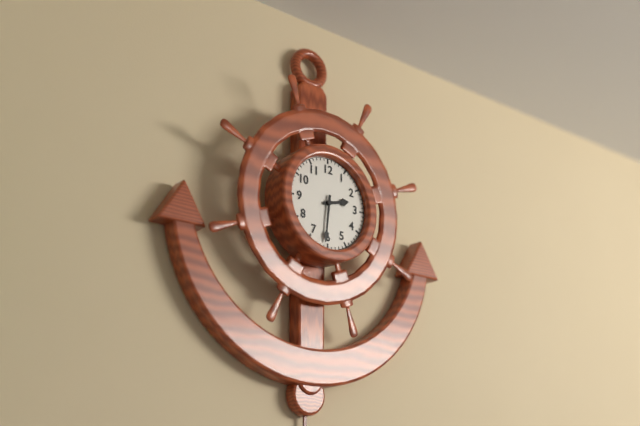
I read 2,31
